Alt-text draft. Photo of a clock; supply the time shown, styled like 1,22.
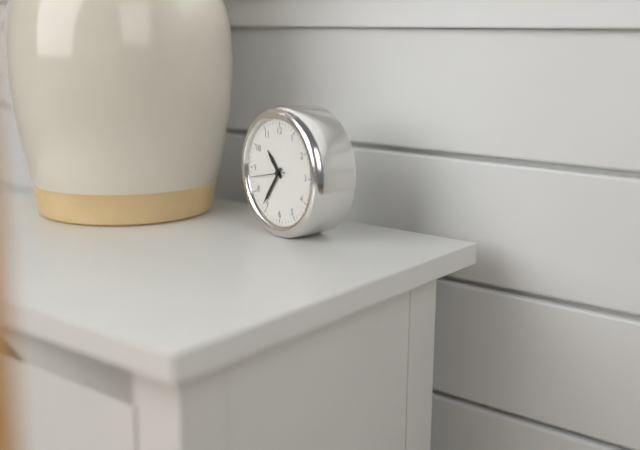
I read 10,36
